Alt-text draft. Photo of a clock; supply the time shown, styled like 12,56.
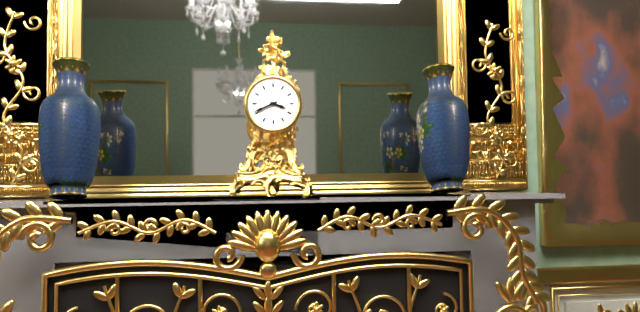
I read 3,41
